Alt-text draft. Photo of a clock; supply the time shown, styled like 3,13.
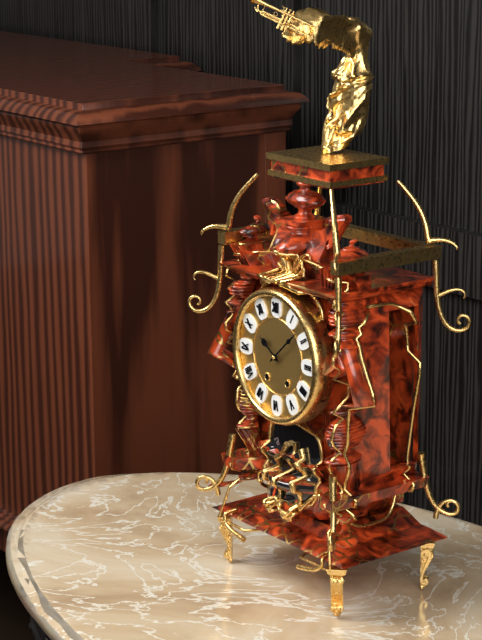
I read 10,08
